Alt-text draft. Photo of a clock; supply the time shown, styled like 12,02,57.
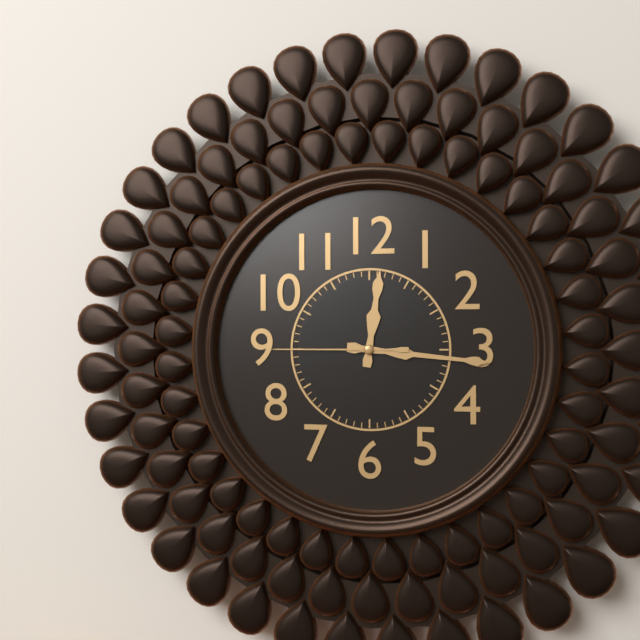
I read 12,16,45
